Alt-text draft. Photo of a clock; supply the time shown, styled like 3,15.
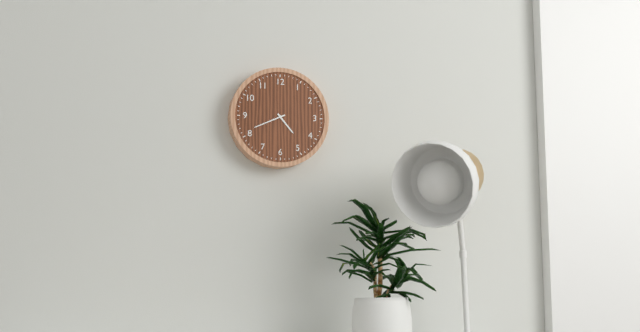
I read 4,41
